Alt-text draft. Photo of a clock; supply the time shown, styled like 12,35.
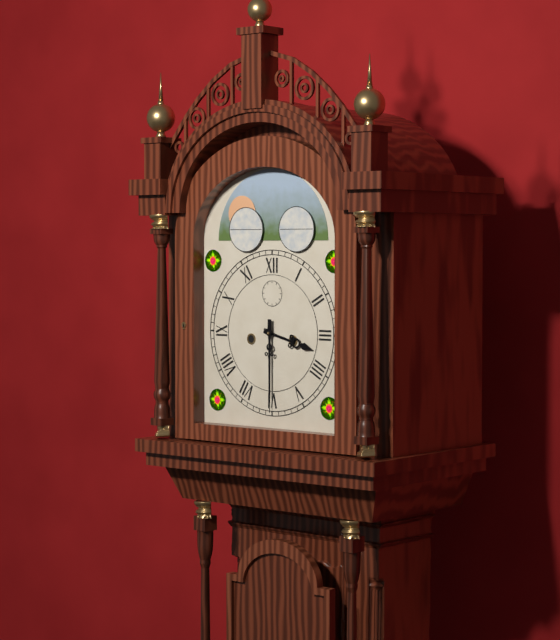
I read 3,30
